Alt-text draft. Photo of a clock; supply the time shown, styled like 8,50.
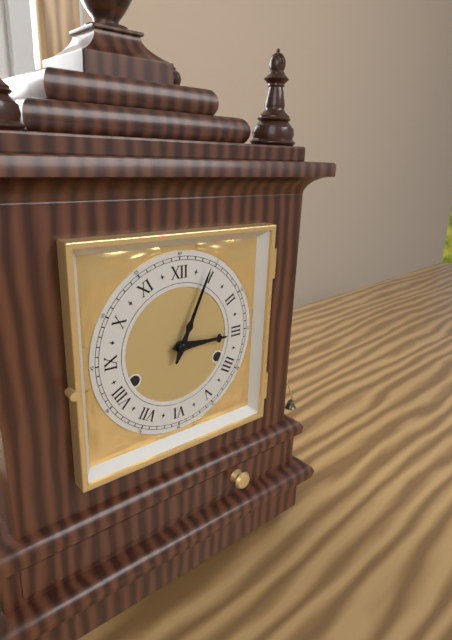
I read 3,04
